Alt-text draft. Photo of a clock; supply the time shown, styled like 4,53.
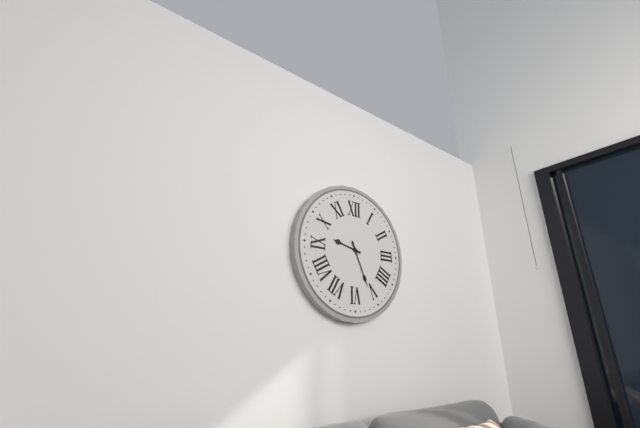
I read 9,26
